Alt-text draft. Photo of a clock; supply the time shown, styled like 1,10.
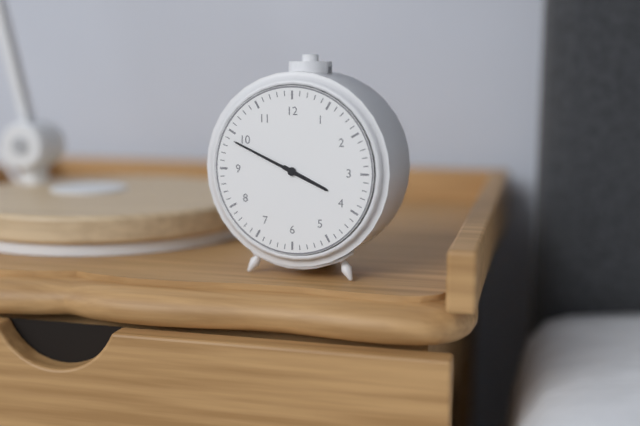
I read 3,49
